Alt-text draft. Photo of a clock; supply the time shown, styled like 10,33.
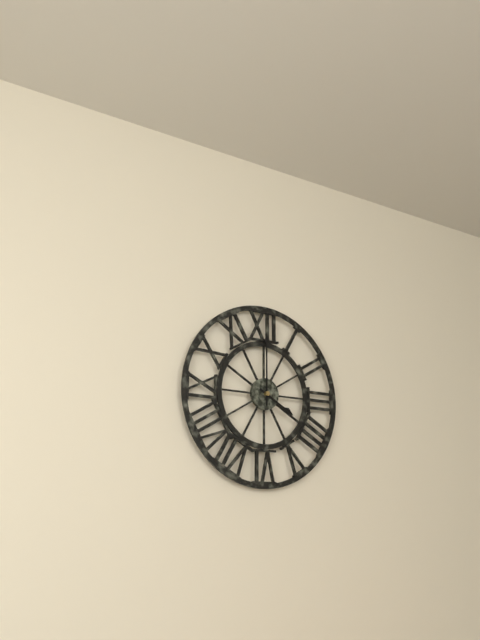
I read 4,00
